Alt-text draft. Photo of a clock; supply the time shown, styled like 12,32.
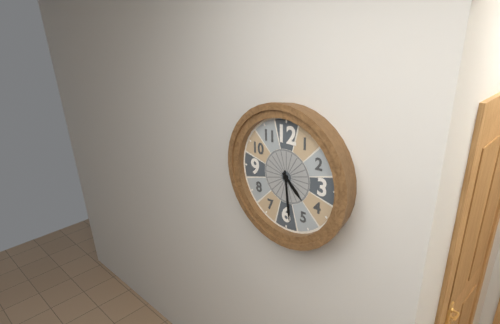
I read 4,29
